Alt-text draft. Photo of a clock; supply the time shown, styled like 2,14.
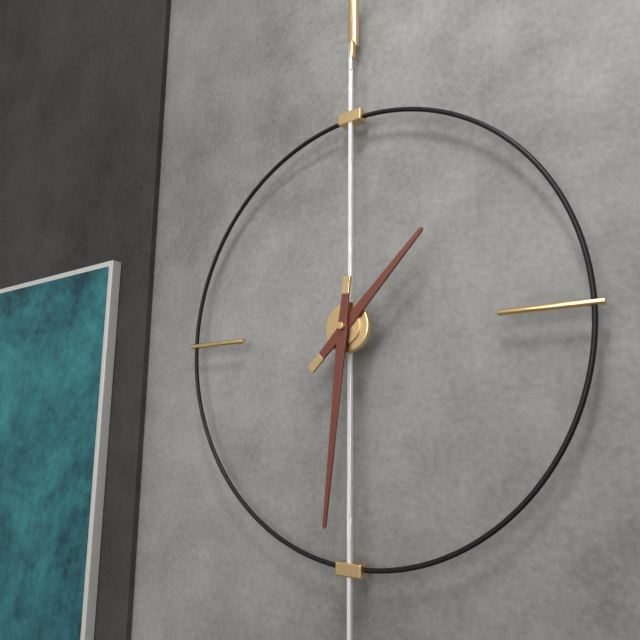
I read 1,31
